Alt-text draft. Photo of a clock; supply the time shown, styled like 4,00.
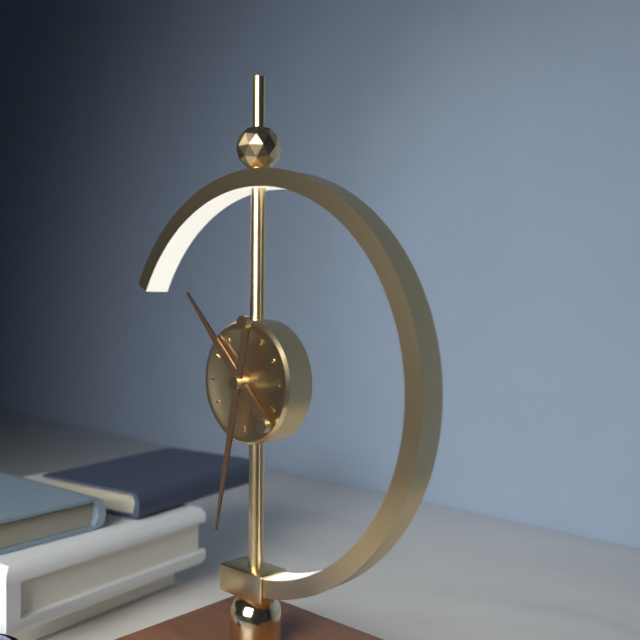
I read 10,32
